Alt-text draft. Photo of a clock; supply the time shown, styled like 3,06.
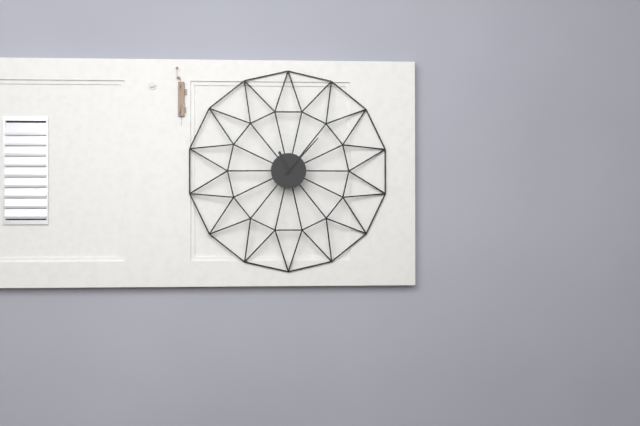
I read 11,07
